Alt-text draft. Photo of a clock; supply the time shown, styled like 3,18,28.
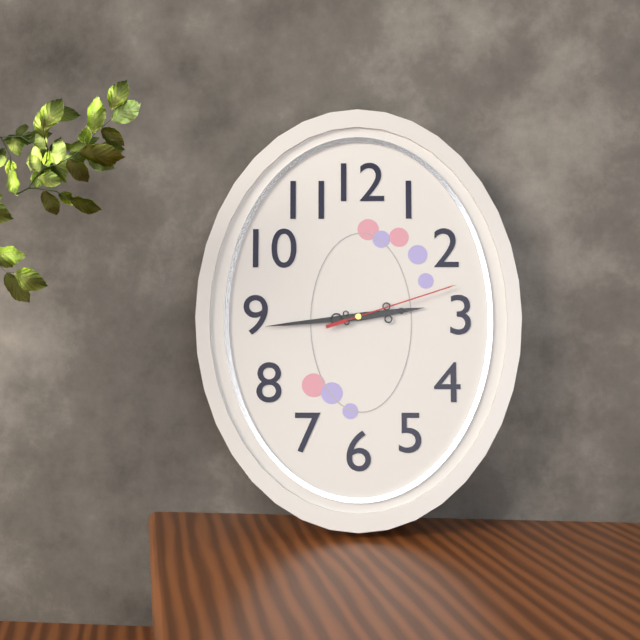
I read 2,44,12
